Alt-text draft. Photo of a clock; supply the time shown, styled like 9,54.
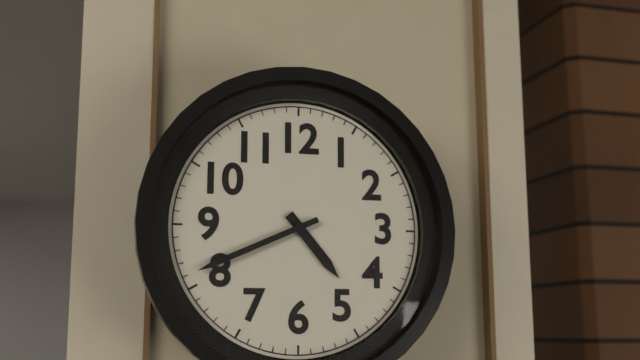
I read 4,41
